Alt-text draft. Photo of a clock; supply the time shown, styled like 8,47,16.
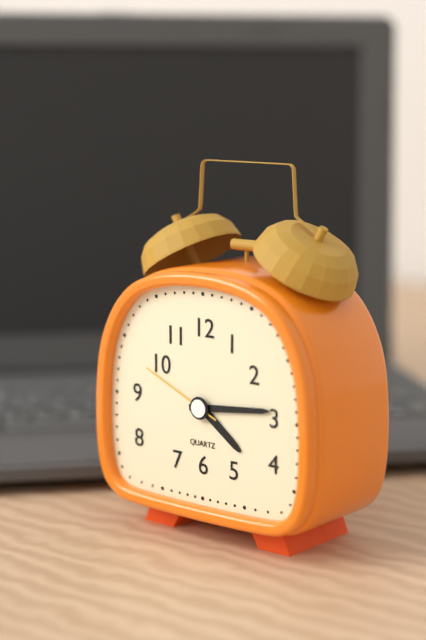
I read 4,14,49
